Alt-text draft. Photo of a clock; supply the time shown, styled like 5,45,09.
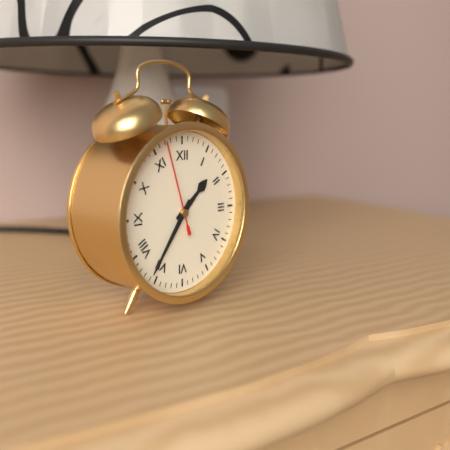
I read 1,36,57
